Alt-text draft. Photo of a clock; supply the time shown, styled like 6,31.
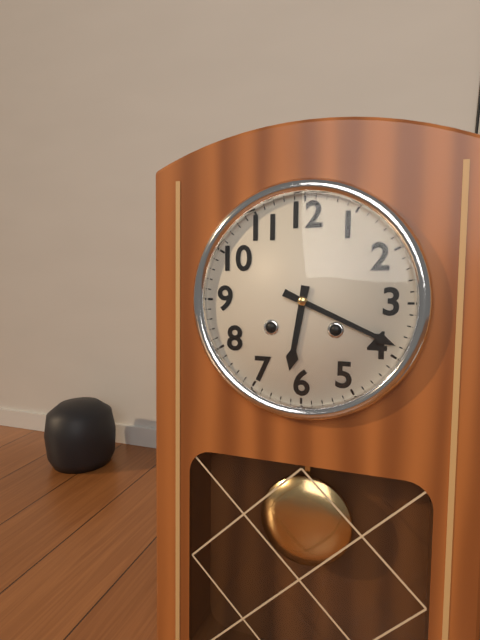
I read 6,19
